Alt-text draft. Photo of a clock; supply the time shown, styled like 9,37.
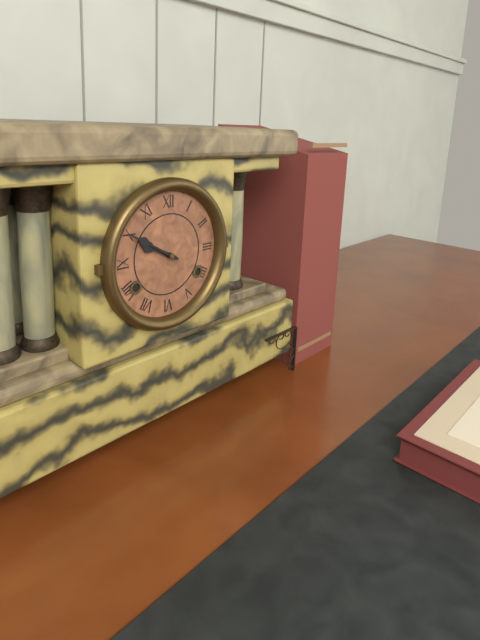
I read 9,50
